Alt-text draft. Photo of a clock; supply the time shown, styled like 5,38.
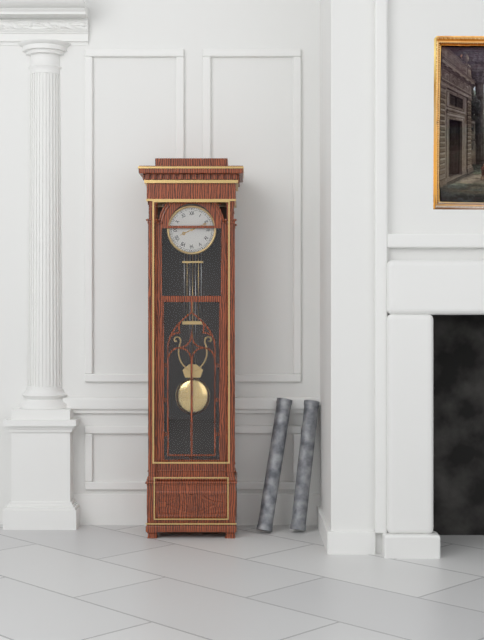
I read 8,11
